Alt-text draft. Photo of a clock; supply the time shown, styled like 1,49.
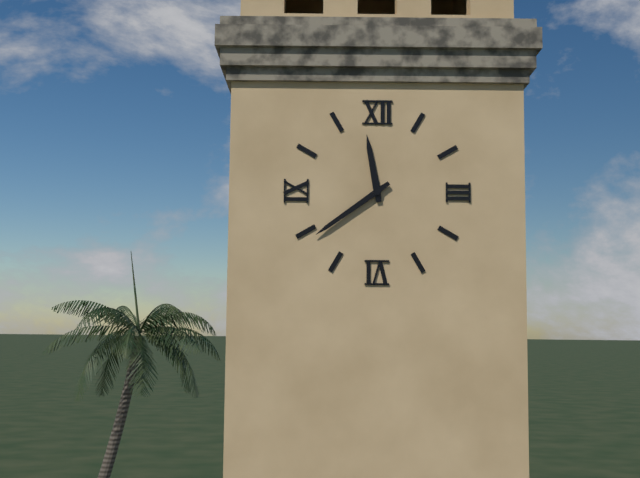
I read 11,39
